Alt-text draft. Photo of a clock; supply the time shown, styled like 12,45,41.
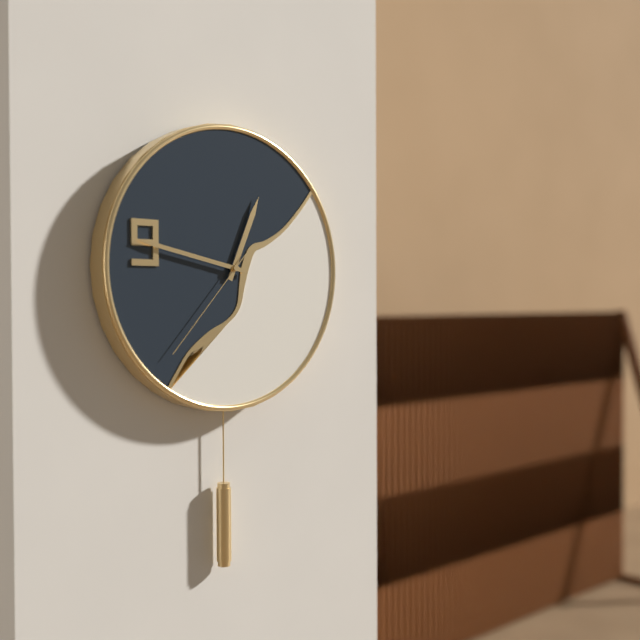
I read 12,47,37
